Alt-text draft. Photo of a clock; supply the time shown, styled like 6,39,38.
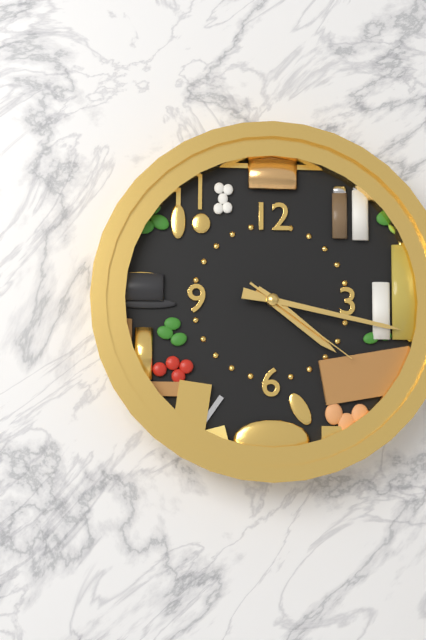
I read 4,17,21
